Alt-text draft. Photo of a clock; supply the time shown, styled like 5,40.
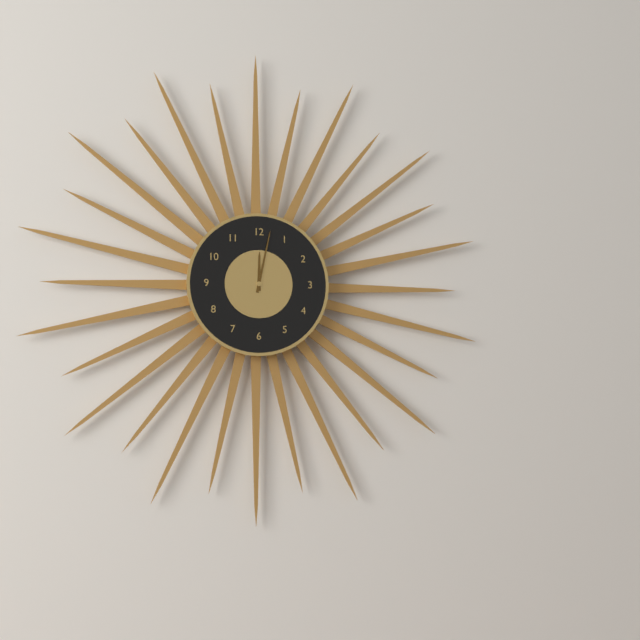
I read 12,02
